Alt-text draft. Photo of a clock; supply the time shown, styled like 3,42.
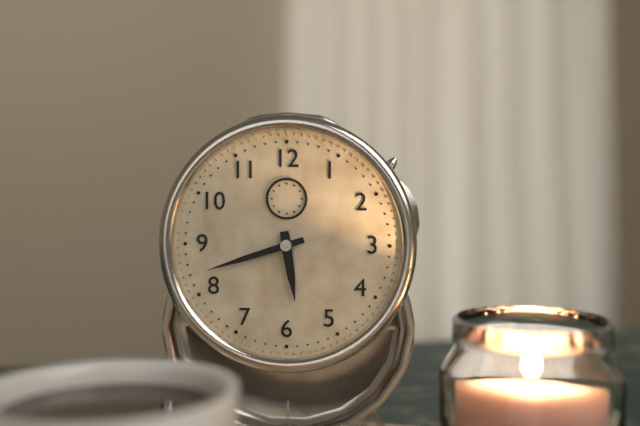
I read 5,42
